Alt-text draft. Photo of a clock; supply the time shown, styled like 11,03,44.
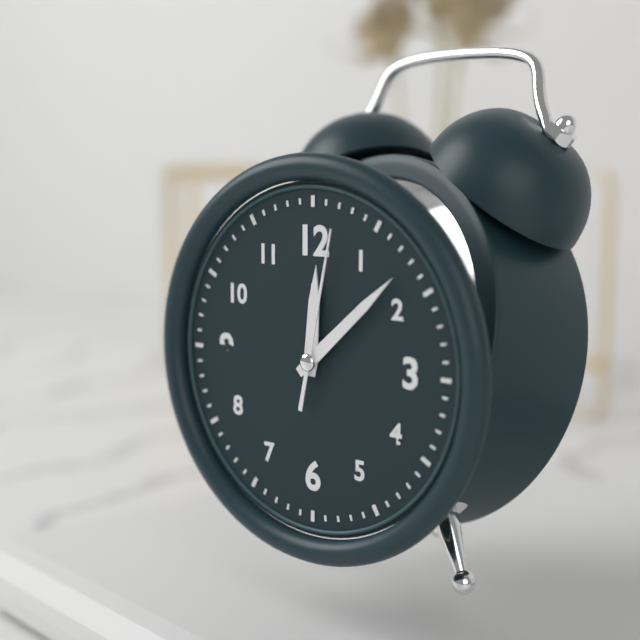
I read 12,08,02
